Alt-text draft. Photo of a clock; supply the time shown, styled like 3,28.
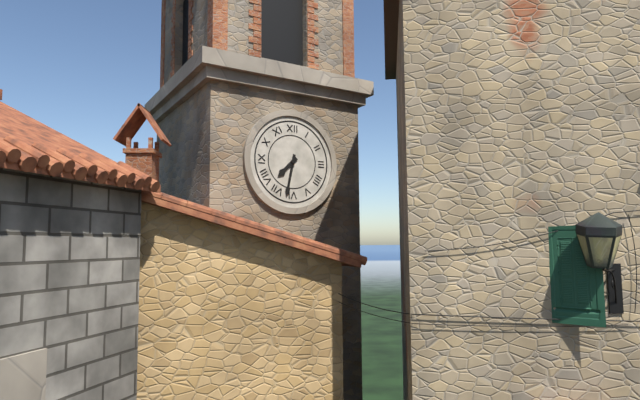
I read 7,32
